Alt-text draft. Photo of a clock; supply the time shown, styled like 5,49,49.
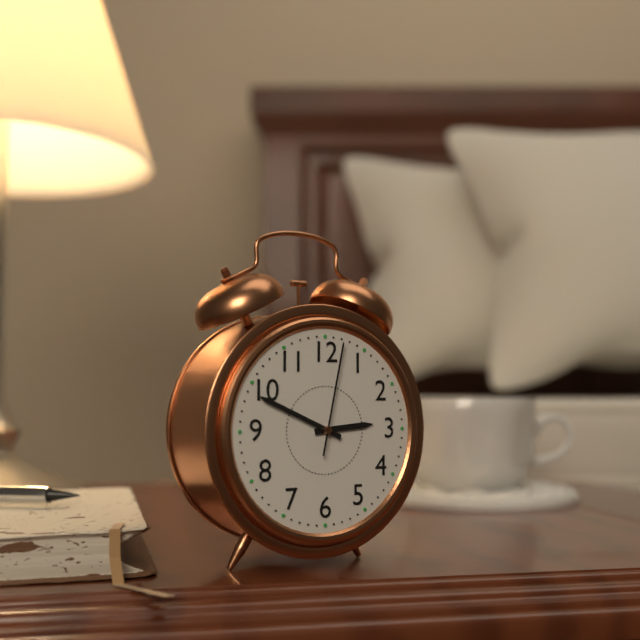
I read 2,49,02
